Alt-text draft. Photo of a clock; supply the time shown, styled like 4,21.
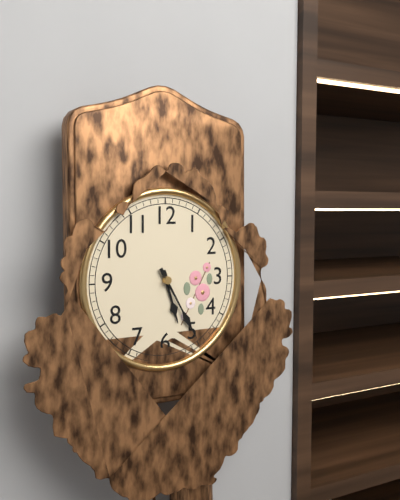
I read 5,25
